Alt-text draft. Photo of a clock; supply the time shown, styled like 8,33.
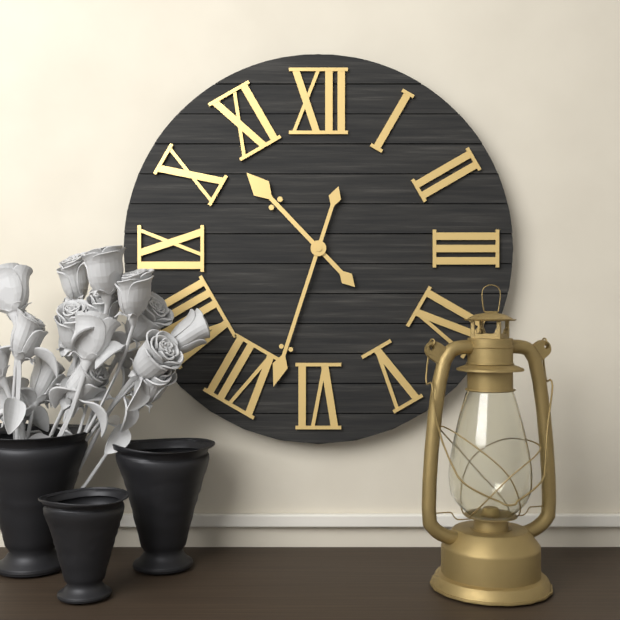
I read 10,33
